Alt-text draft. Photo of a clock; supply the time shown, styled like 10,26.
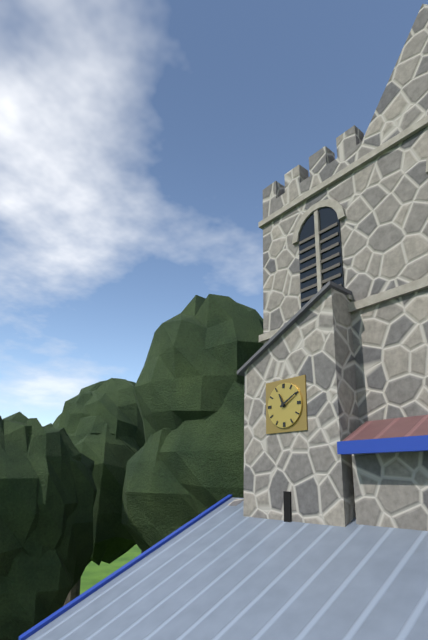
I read 11,10
